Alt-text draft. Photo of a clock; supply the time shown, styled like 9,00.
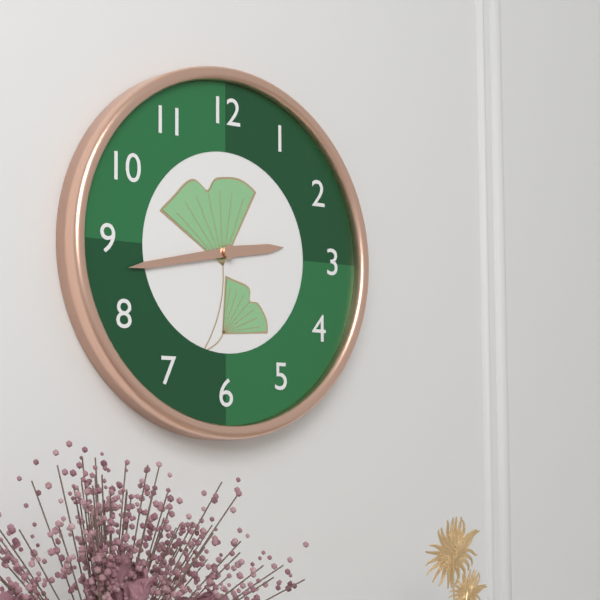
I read 2,43
